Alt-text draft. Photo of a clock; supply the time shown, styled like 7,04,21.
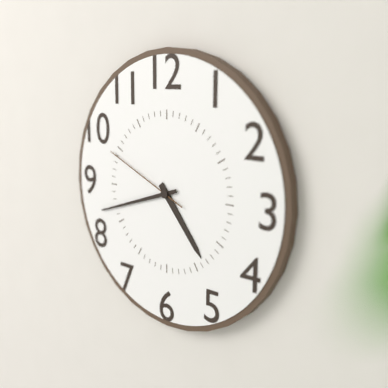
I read 4,42,49
